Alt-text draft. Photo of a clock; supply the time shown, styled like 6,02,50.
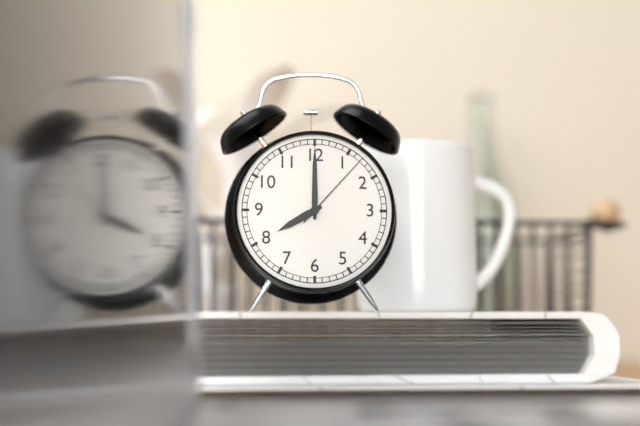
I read 8,00,07
